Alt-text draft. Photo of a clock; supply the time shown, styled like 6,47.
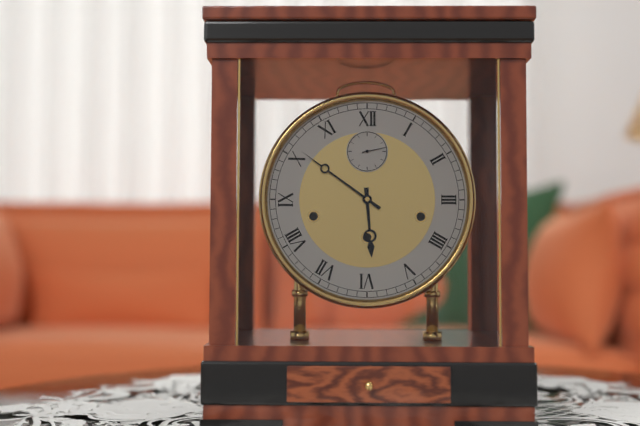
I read 5,51
